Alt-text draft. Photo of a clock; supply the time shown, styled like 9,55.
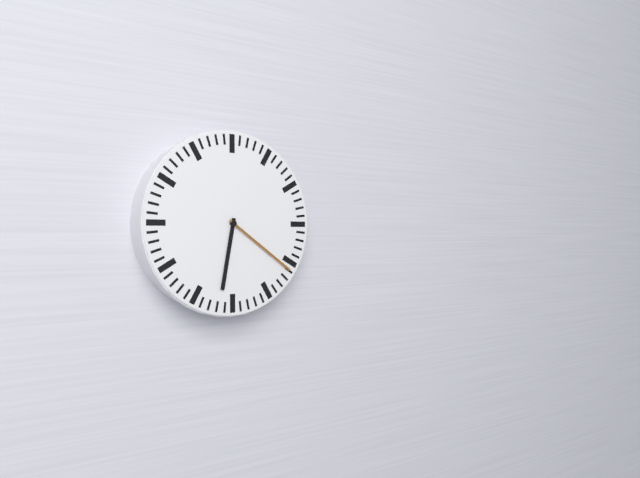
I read 6,21
